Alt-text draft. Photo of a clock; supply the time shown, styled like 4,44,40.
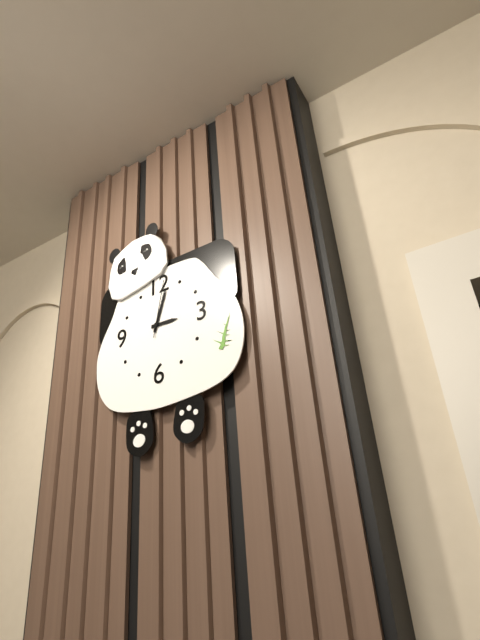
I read 3,03,02
